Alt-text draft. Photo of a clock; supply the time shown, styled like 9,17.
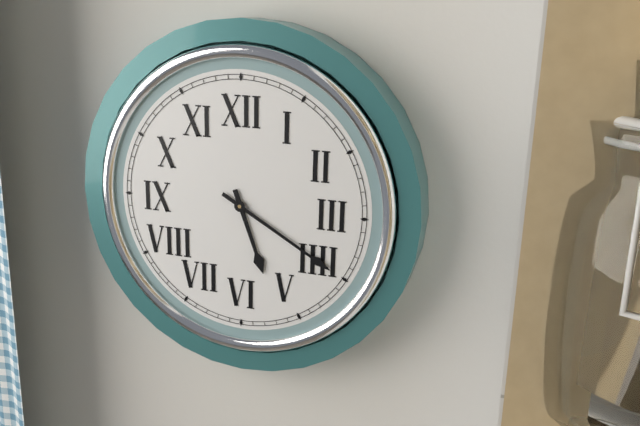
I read 5,20
